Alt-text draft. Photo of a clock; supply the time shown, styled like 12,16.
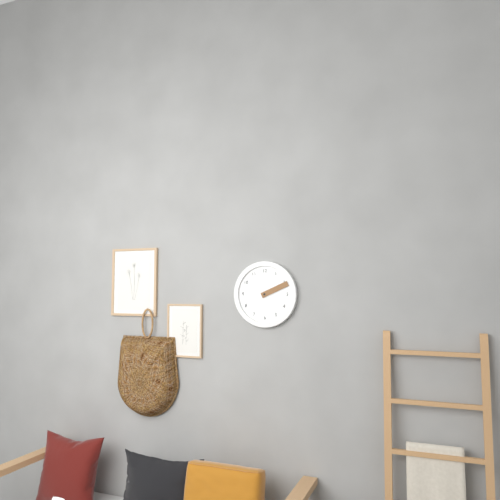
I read 2,11
